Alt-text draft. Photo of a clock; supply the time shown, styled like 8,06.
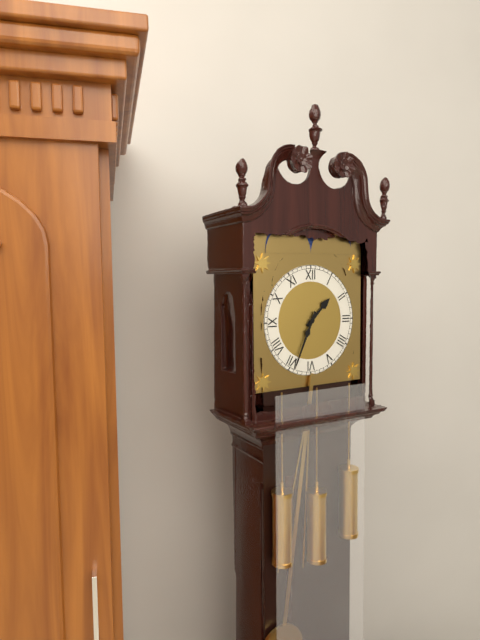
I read 1,34
